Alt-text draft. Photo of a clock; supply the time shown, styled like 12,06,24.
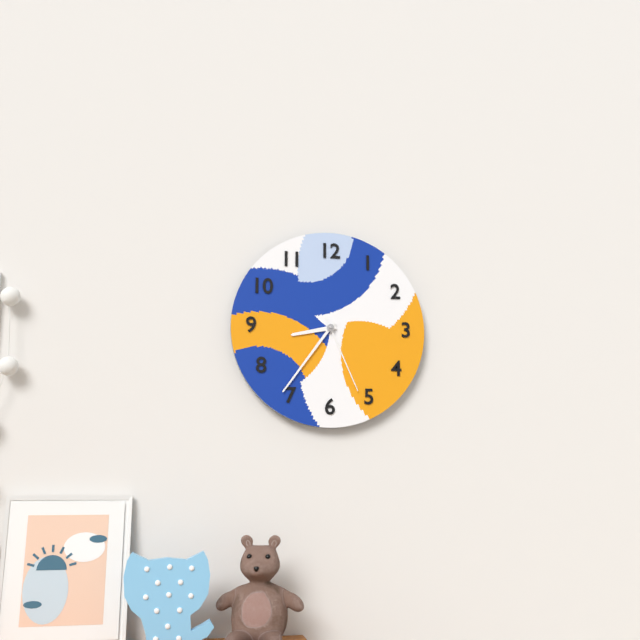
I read 8,36,26
